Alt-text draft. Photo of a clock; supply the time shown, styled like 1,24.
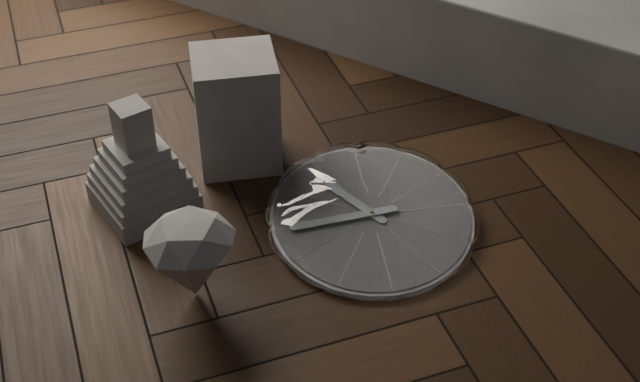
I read 10,44
